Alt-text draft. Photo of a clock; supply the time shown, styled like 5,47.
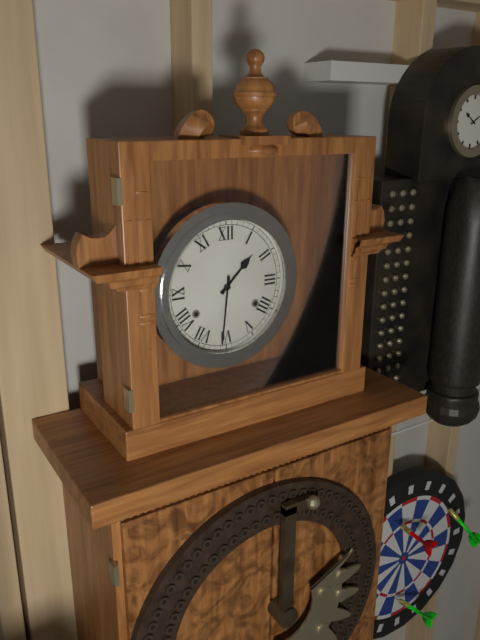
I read 1,31
